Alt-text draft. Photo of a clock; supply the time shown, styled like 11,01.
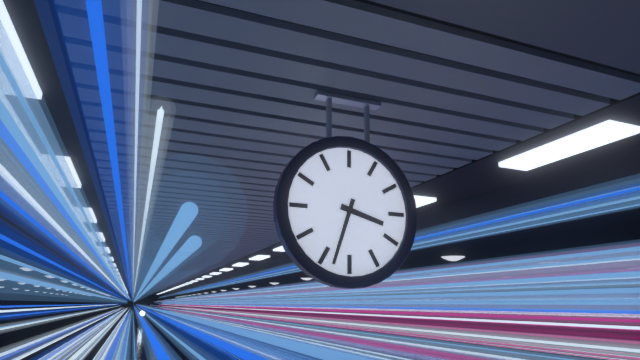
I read 3,33
